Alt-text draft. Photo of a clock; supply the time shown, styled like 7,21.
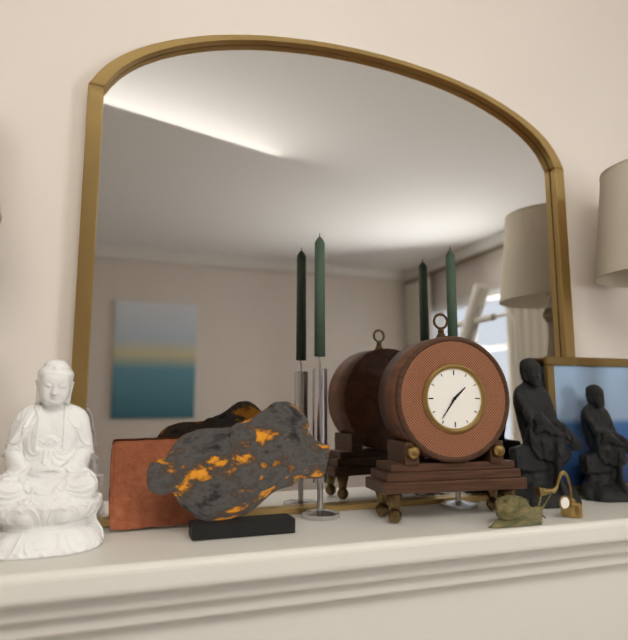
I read 1,36
